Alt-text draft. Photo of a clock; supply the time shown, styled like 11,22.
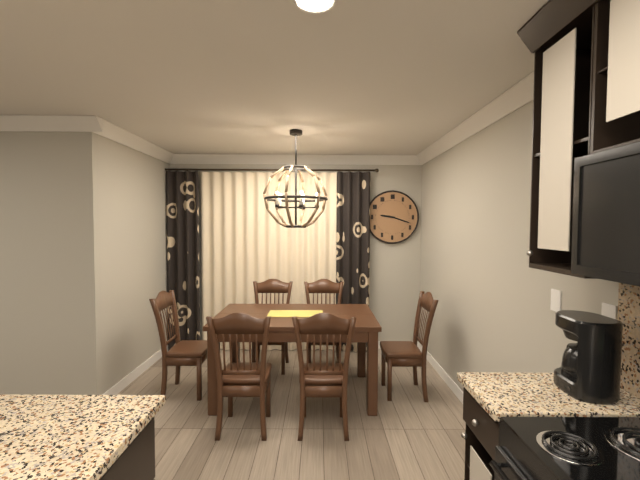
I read 9,18
